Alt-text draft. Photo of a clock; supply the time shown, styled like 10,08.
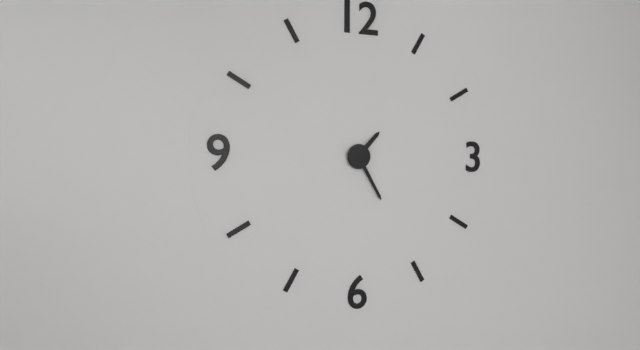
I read 1,25
